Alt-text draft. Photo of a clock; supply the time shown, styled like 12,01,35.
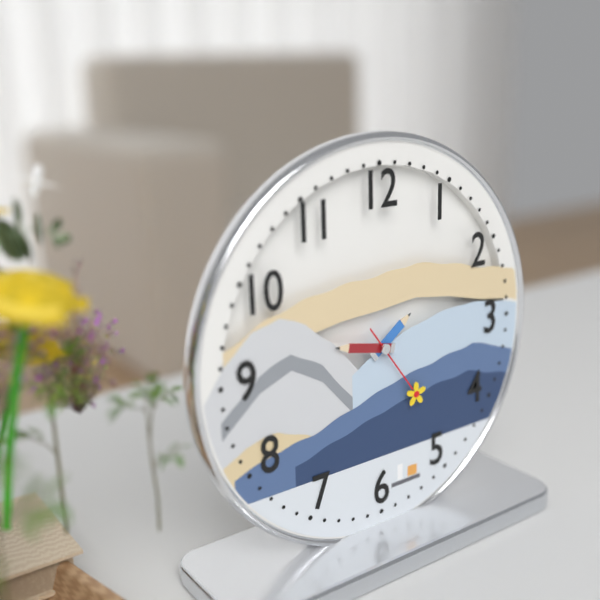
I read 1,47,24
